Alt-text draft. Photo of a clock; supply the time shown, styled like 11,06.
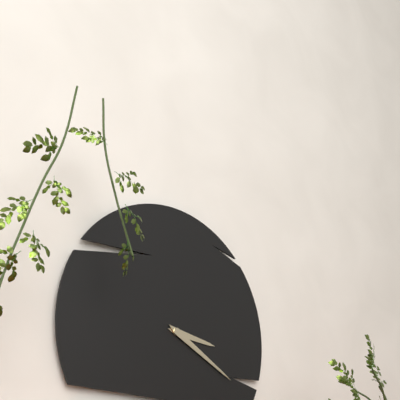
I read 3,20
